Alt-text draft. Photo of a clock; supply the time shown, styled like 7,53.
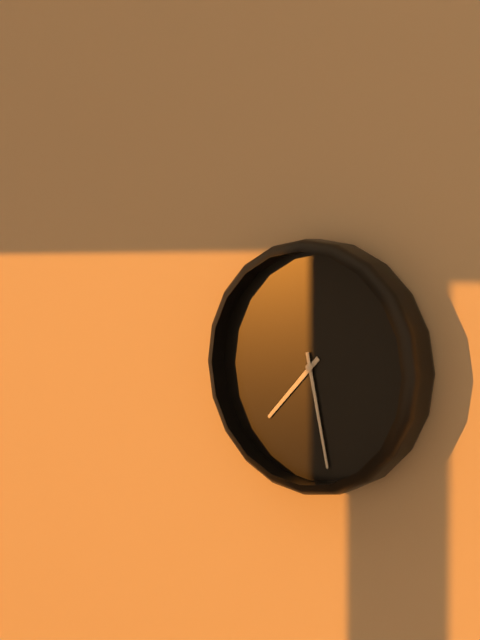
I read 7,28
